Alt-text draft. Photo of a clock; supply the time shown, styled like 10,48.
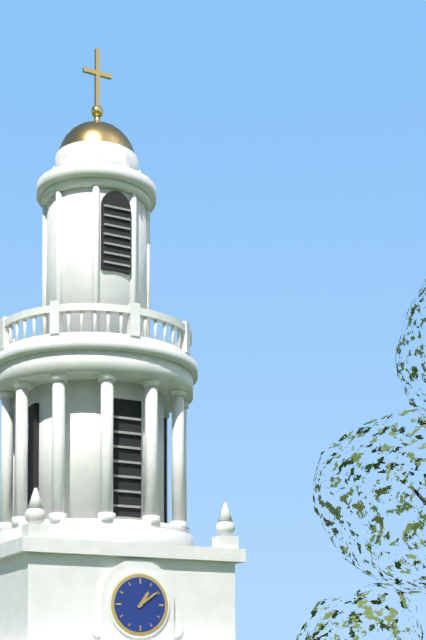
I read 1,09
